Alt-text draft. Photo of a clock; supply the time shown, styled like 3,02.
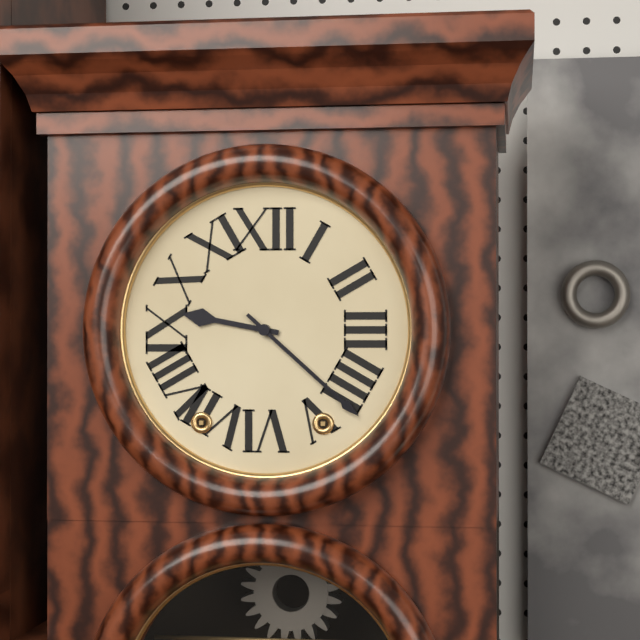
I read 9,22
